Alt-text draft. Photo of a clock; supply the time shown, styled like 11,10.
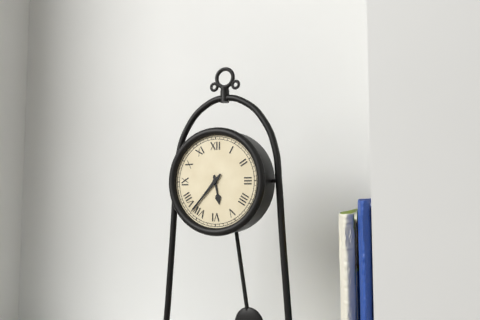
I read 5,37
